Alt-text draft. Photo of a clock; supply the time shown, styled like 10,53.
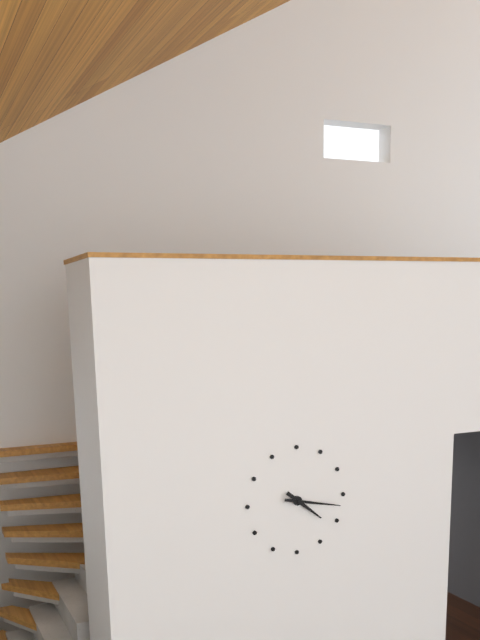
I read 4,17
